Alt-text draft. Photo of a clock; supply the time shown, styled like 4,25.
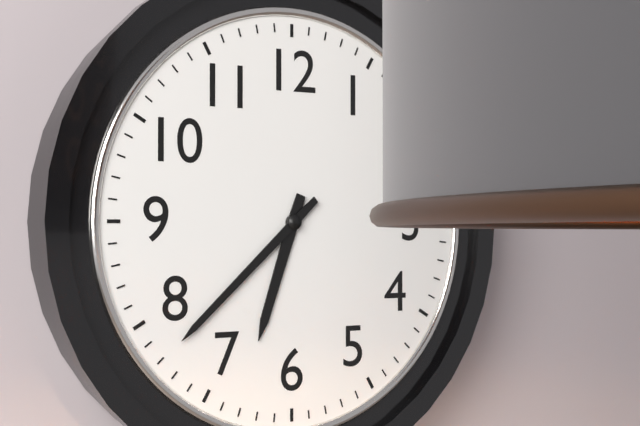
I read 6,38
